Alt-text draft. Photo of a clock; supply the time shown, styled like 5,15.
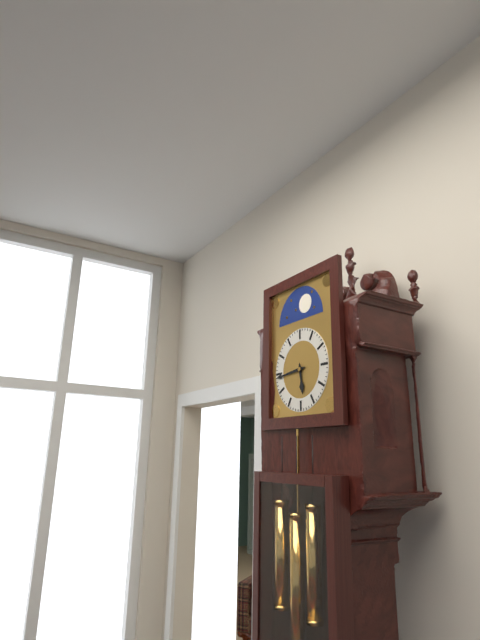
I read 5,44
